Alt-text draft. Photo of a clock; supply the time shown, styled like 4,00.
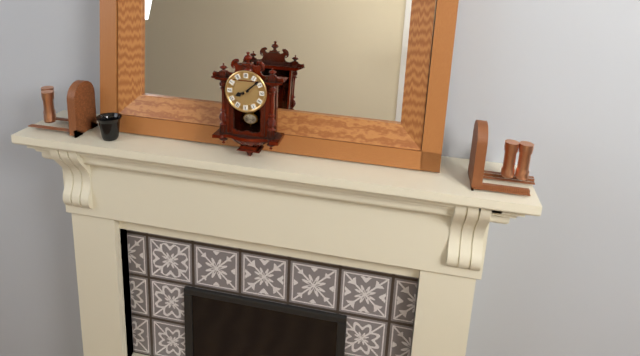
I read 8,08
